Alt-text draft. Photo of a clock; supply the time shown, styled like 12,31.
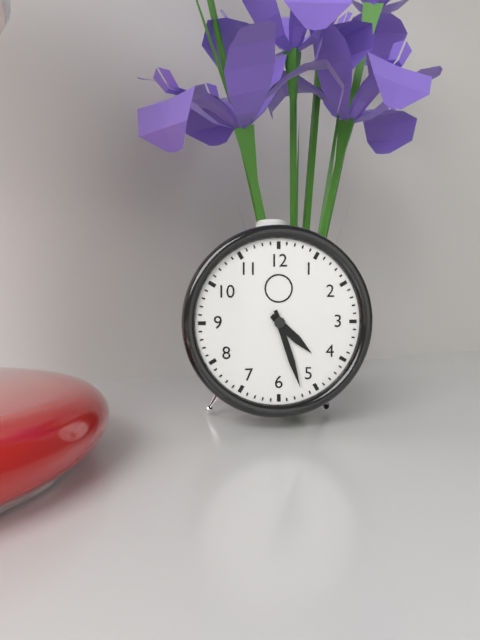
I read 4,27
